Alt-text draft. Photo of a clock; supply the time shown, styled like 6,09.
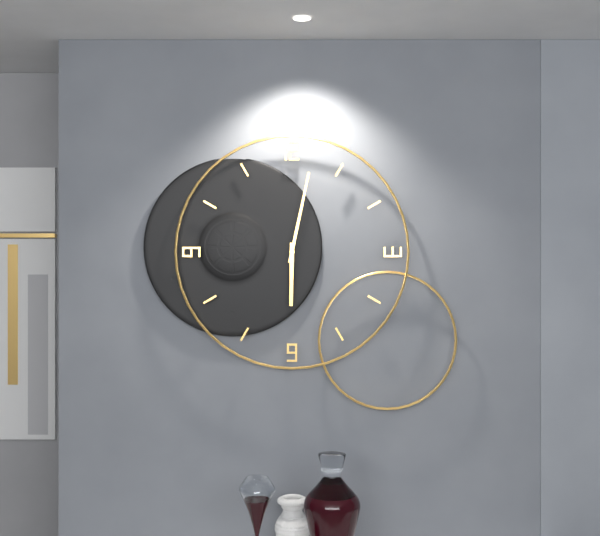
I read 6,02
